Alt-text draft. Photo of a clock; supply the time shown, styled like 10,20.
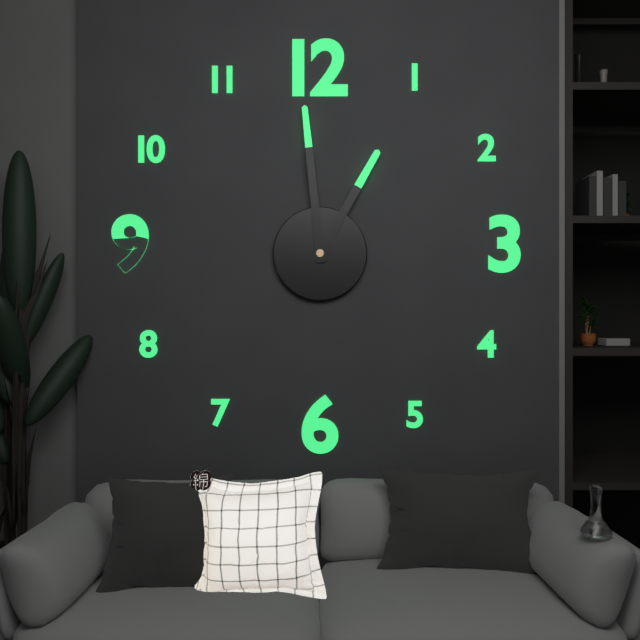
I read 12,59
